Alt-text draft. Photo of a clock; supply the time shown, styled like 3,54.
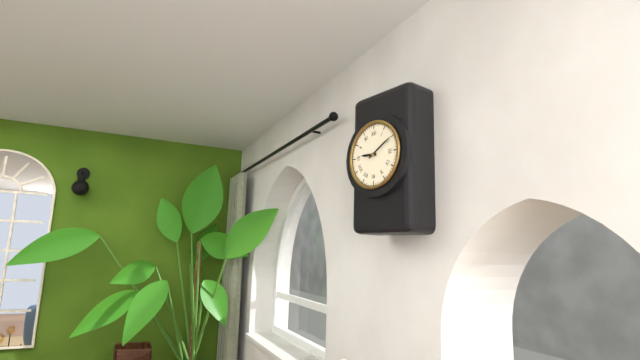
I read 9,10
